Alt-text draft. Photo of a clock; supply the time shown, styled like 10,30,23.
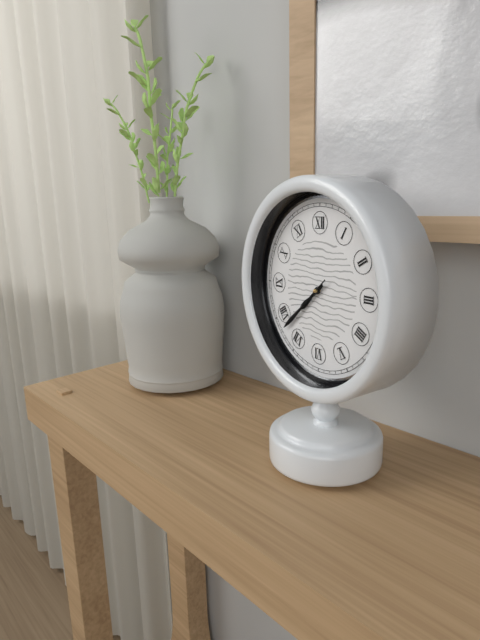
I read 7,38,38
